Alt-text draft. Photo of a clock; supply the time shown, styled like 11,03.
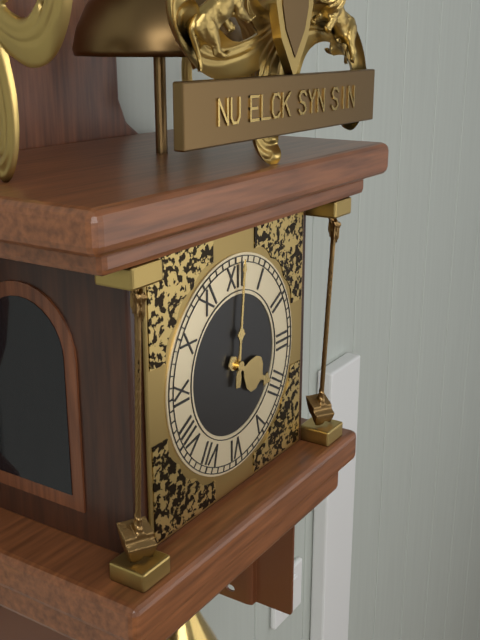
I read 4,01
